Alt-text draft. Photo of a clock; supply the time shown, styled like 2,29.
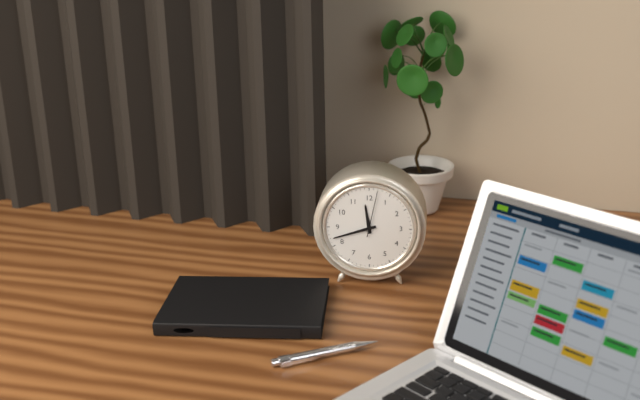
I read 11,42
